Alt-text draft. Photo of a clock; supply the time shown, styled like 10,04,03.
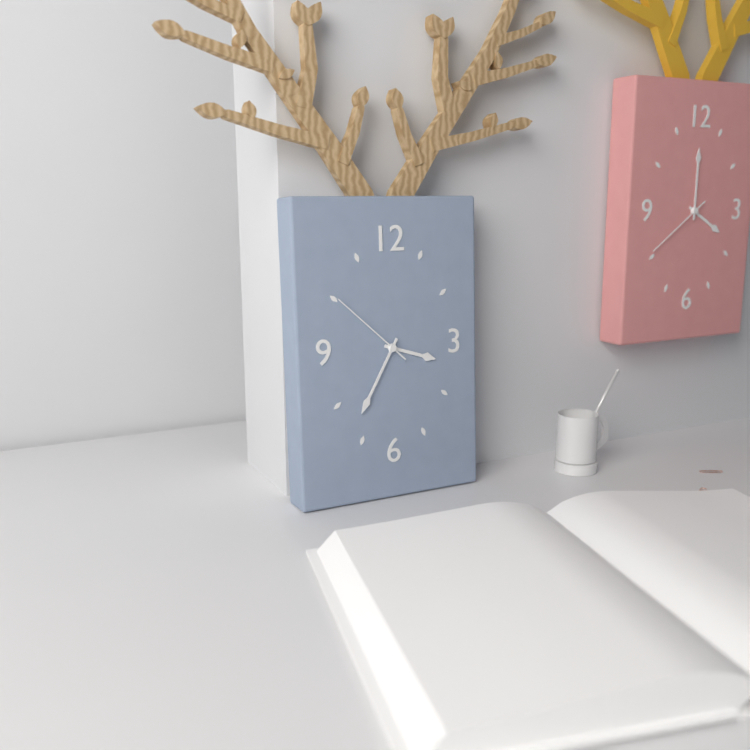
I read 3,35,52
